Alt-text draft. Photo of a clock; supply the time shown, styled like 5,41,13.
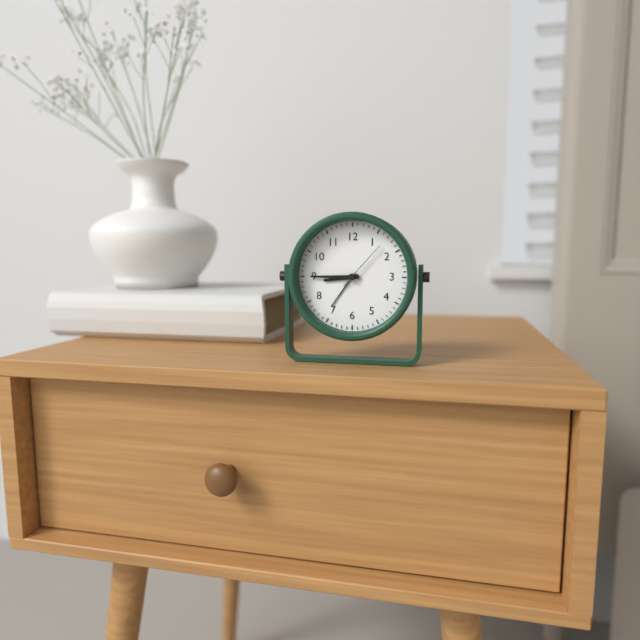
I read 8,45,07
